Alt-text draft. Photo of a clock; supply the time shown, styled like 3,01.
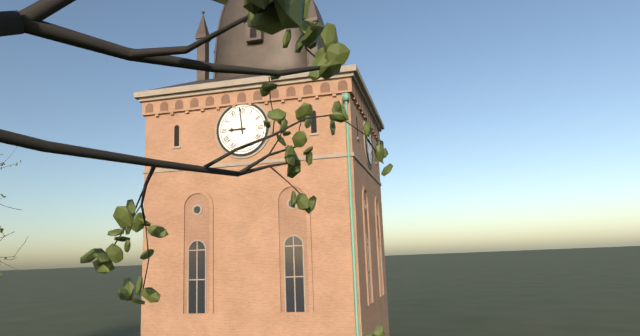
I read 8,59
